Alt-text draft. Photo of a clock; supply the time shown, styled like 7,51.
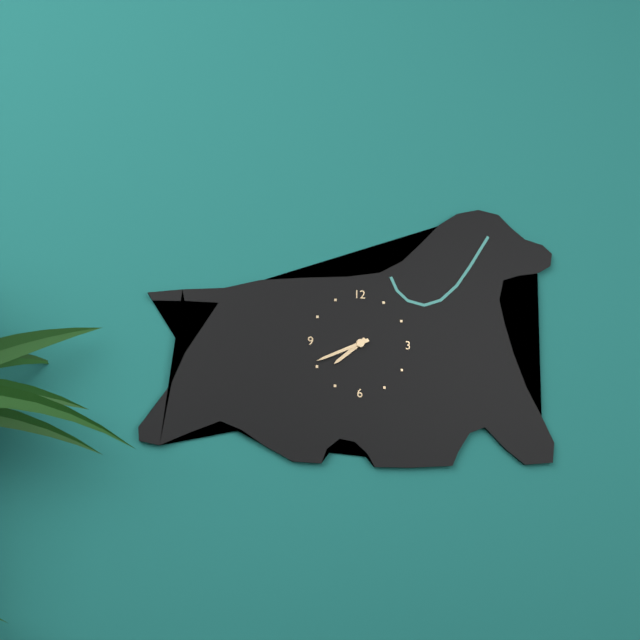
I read 7,41
